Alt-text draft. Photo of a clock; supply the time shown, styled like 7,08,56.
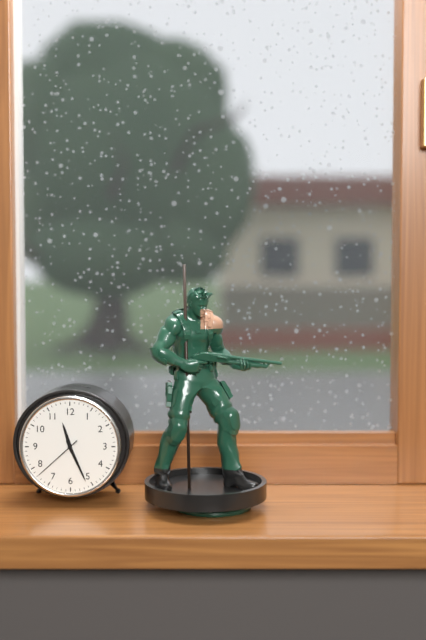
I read 11,26,38
